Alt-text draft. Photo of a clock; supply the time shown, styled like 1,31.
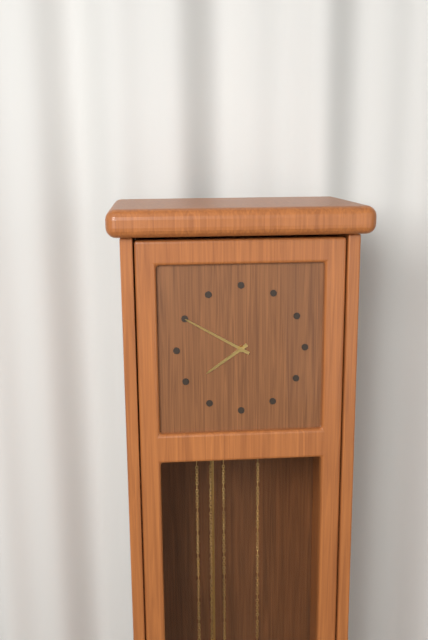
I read 7,50
